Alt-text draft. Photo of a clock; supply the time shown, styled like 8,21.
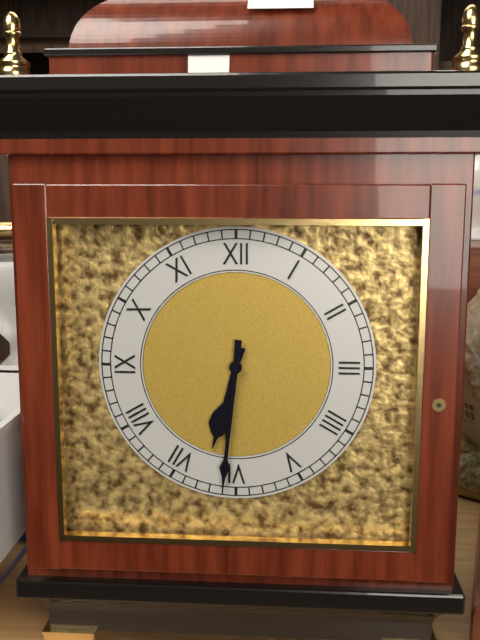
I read 6,31
